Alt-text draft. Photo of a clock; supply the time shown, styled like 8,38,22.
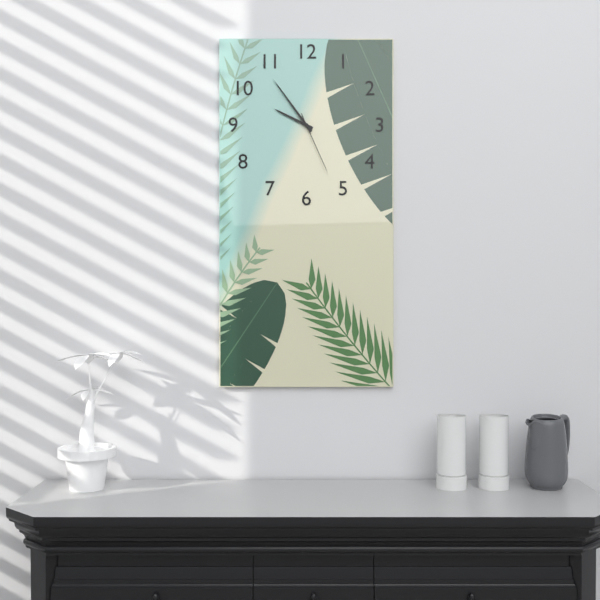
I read 9,54,26
